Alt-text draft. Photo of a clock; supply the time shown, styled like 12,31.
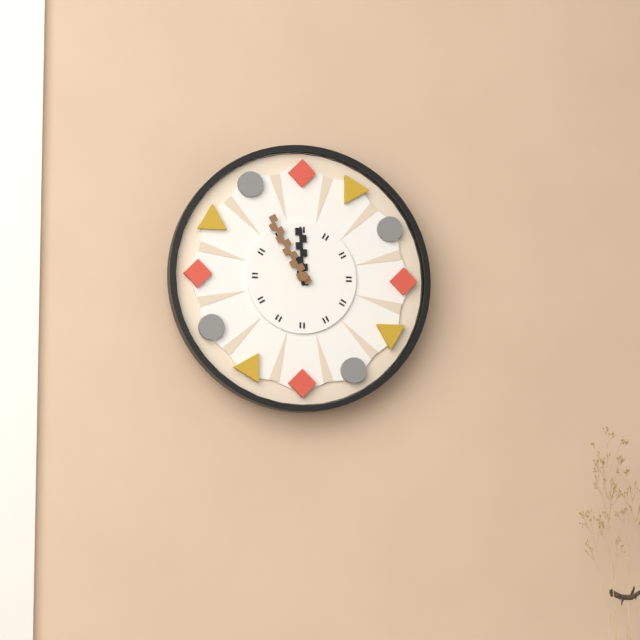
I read 11,55
